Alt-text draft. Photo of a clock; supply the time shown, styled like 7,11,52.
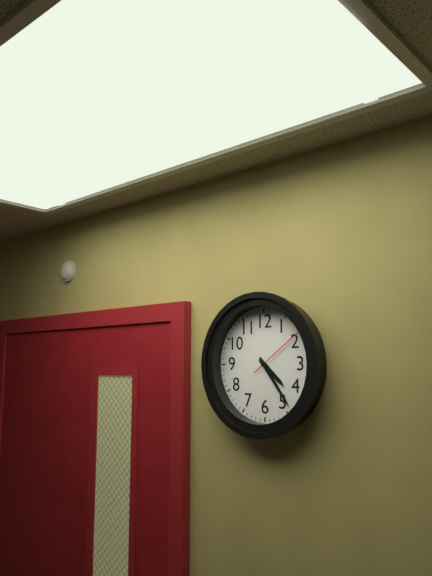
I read 4,24,09
